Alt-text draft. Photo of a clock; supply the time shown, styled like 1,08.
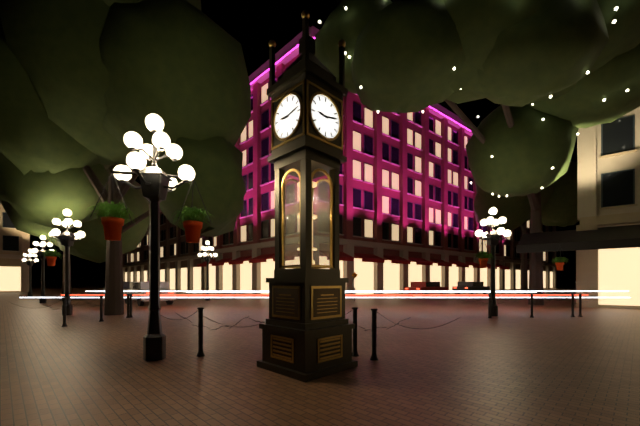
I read 9,13
